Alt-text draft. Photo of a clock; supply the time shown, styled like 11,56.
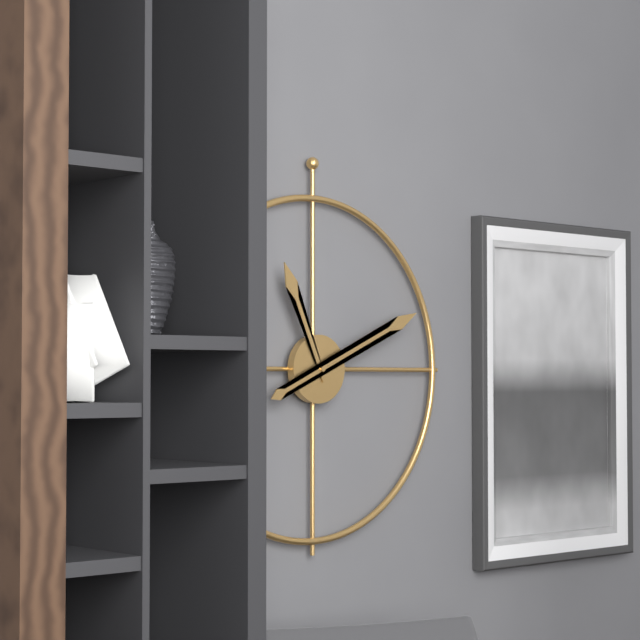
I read 11,11
